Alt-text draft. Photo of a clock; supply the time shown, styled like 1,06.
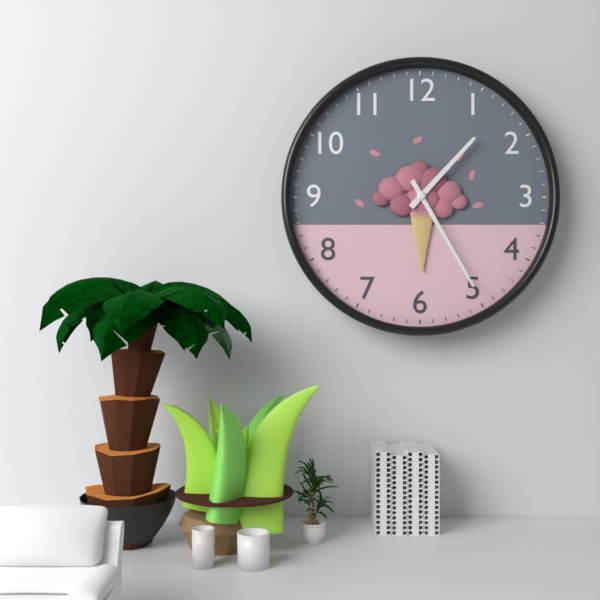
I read 1,25
